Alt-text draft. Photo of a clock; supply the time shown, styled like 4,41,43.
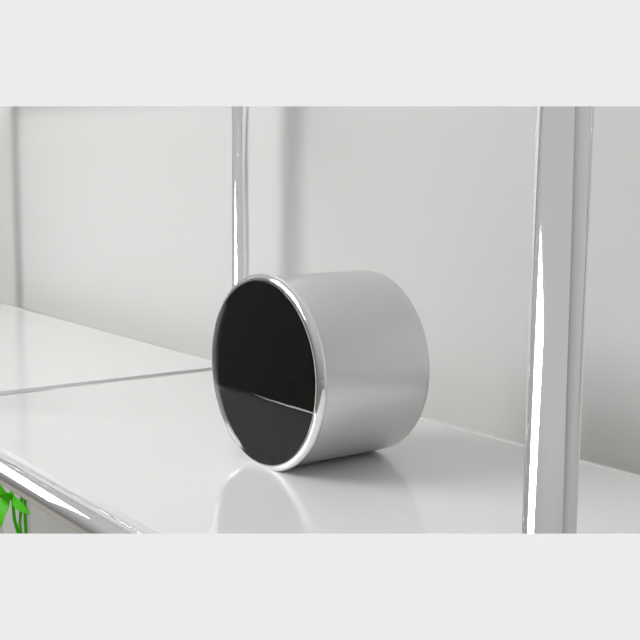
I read 9,07,32
